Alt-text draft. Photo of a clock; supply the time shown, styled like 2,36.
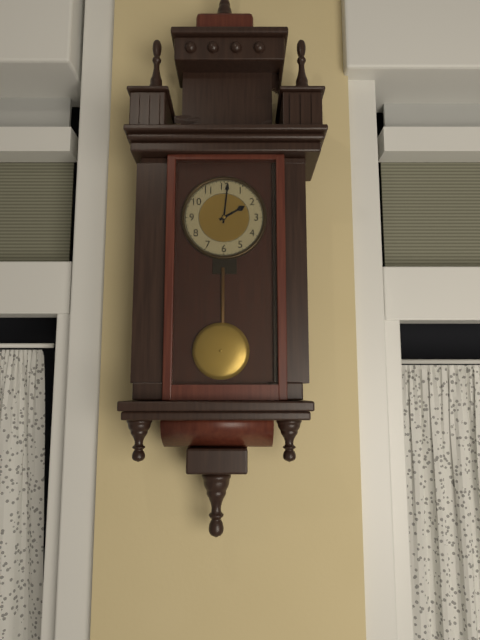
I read 2,01
